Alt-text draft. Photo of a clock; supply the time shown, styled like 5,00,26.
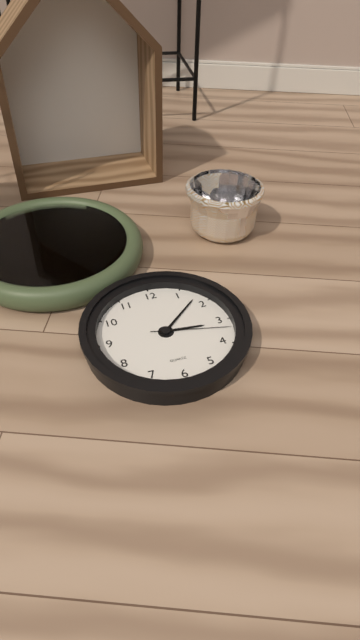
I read 3,08,17
